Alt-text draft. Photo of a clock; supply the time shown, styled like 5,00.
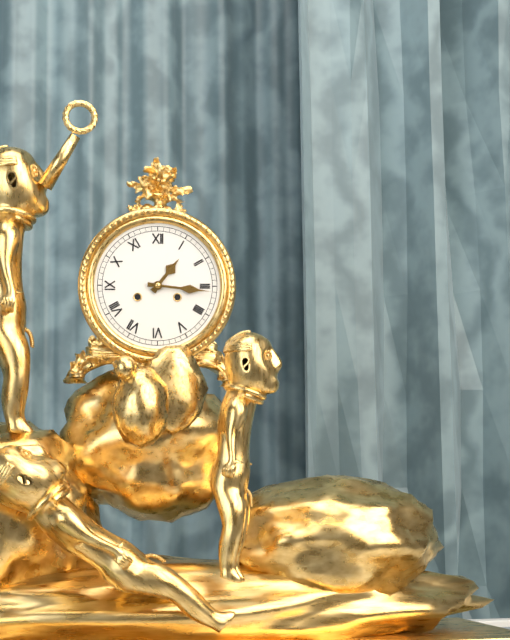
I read 1,16
